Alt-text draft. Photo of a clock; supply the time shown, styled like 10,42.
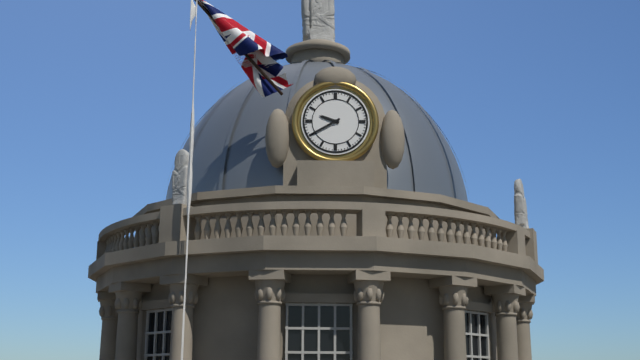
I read 9,40
